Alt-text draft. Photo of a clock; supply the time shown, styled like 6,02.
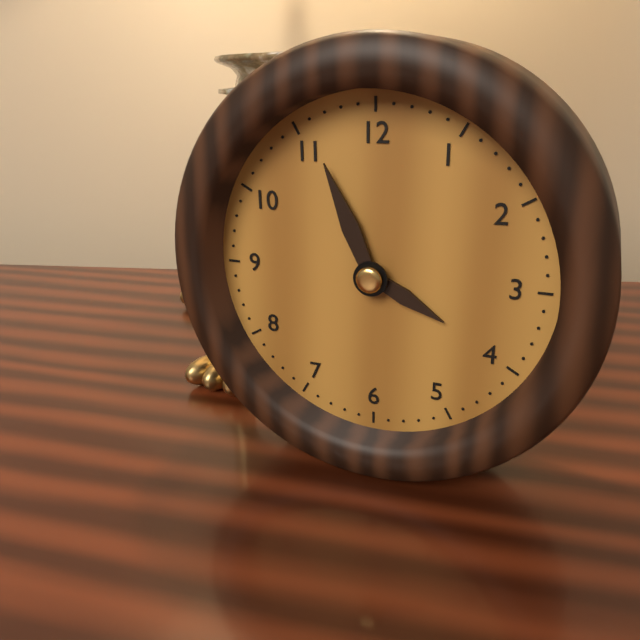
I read 3,56
